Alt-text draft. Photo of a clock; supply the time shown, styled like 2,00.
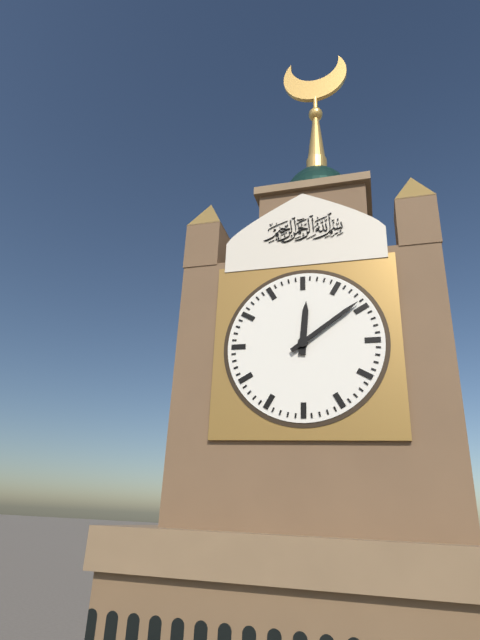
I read 12,09
